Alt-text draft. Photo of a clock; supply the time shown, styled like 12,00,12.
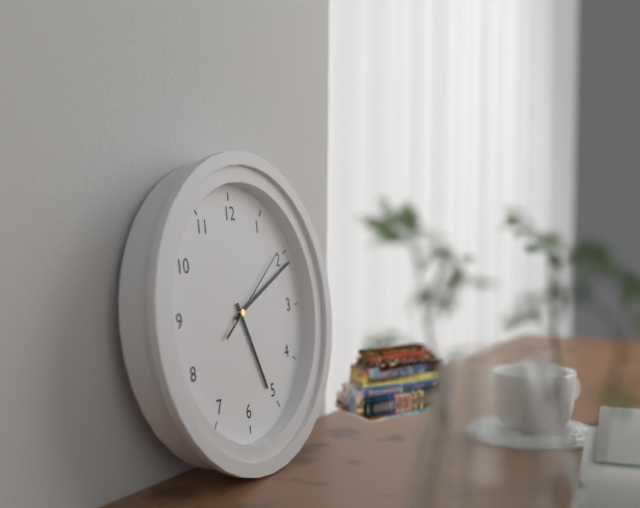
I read 5,11,09
